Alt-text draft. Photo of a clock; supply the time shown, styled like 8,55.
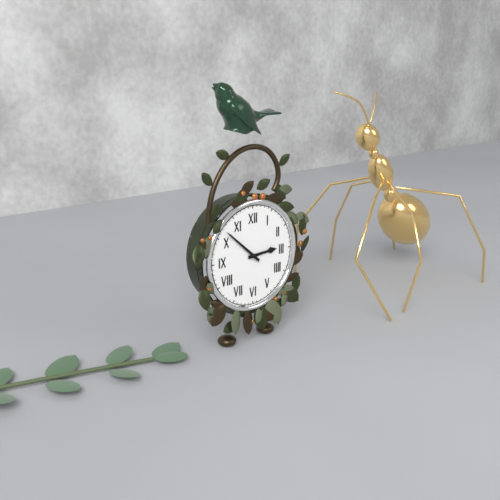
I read 2,52
